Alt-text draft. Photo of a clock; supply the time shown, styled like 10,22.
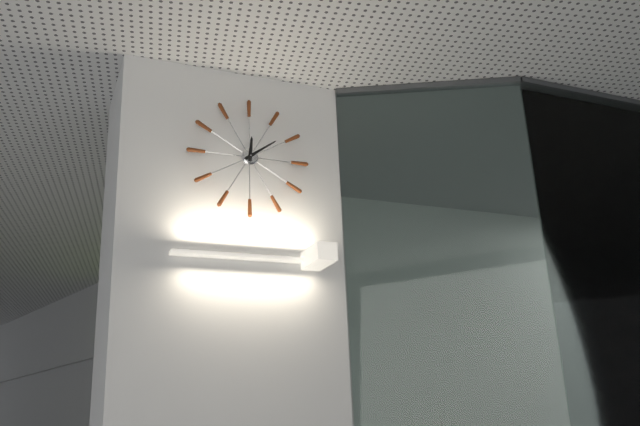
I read 12,09
